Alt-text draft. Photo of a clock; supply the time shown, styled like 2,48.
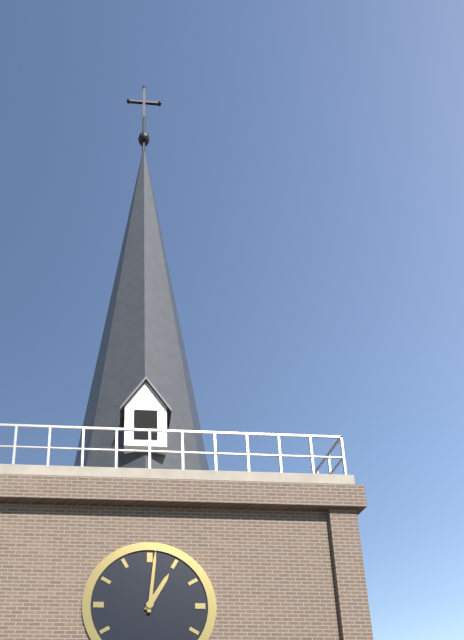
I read 1,01
